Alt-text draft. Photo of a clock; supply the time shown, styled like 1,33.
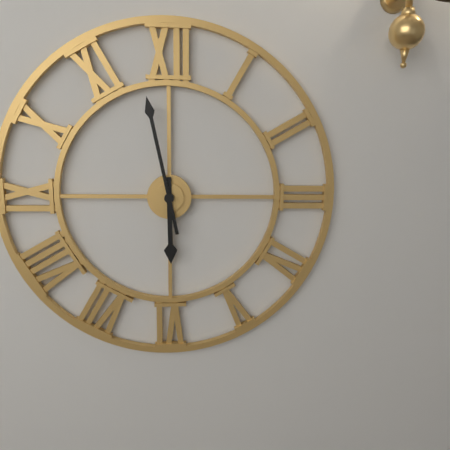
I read 5,58
